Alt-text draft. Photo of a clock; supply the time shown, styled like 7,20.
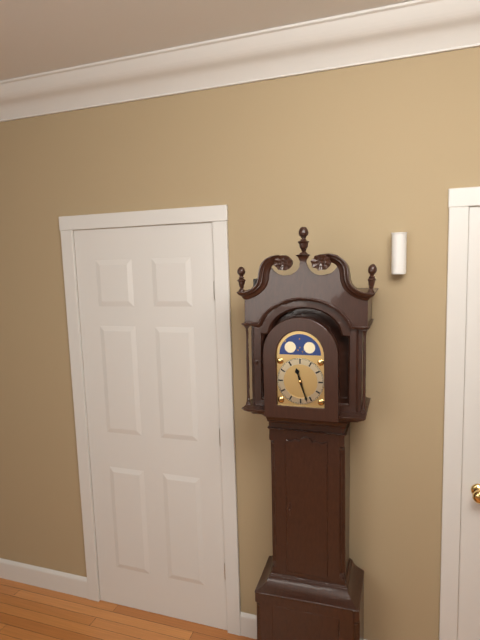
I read 11,27
